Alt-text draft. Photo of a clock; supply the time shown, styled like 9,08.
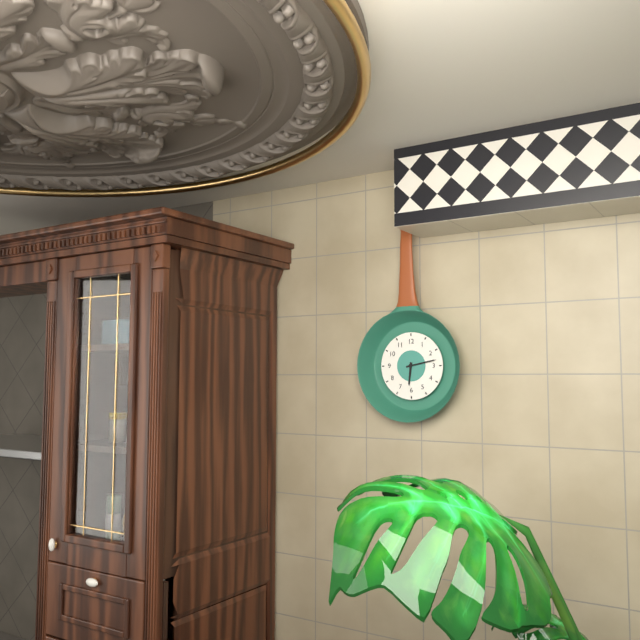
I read 6,13
